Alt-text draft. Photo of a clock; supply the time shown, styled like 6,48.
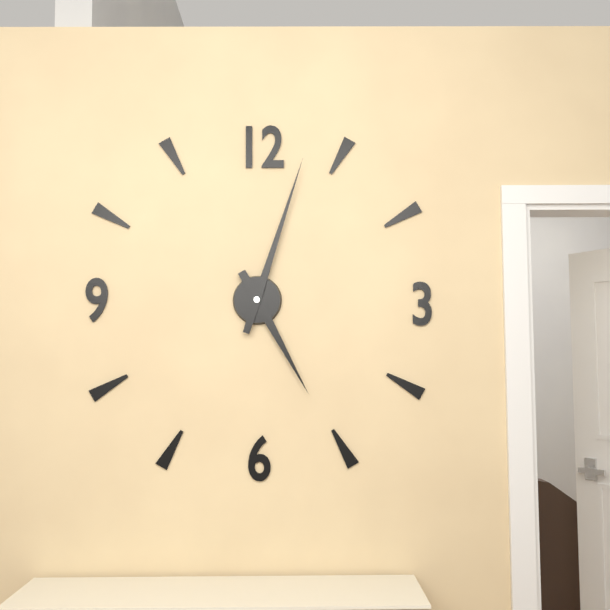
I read 5,03
